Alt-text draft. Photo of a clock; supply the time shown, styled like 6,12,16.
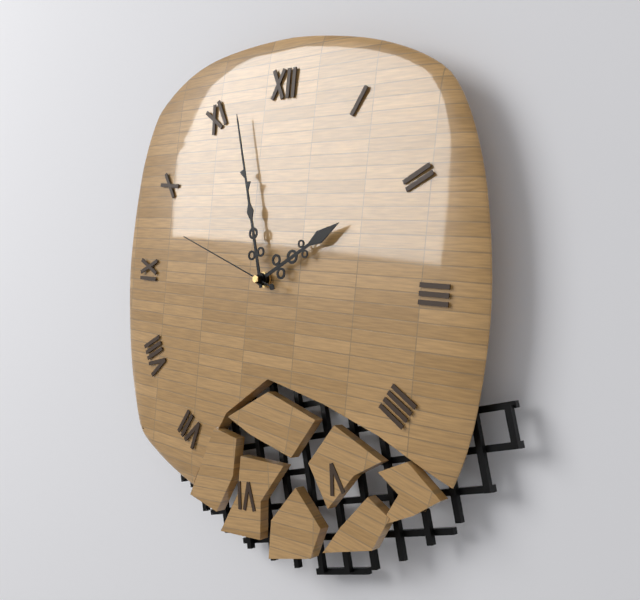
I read 1,57,48
